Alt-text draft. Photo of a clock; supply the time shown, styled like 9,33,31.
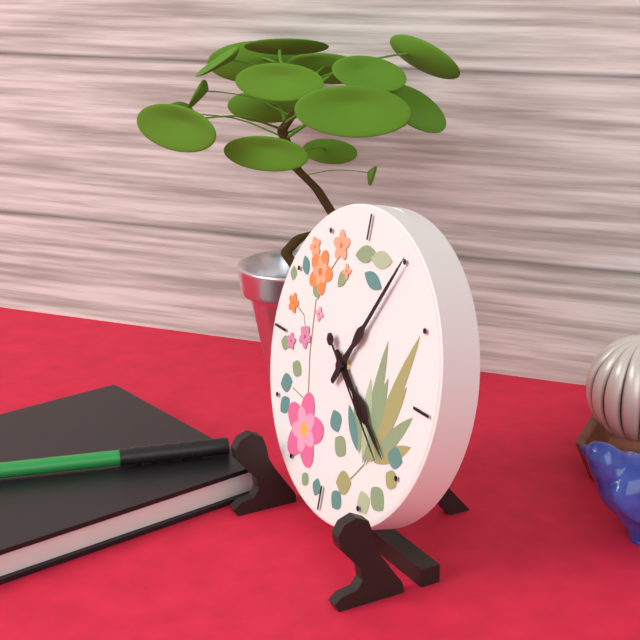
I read 4,05,21
